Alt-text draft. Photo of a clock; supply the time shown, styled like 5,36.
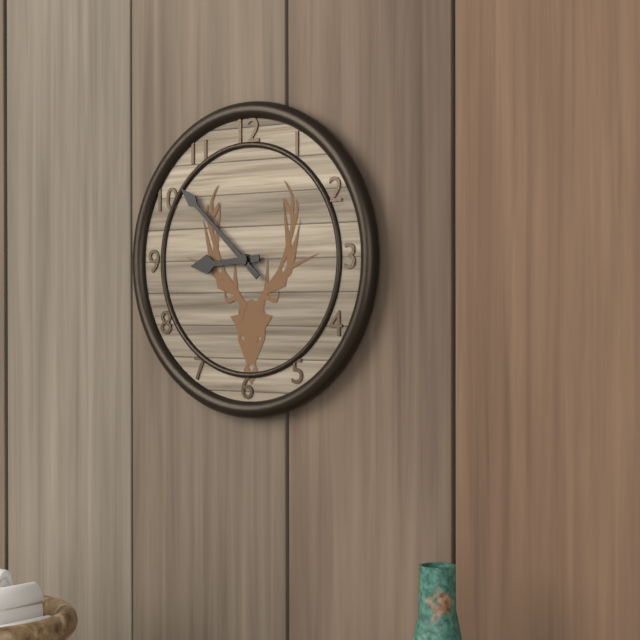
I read 8,52
